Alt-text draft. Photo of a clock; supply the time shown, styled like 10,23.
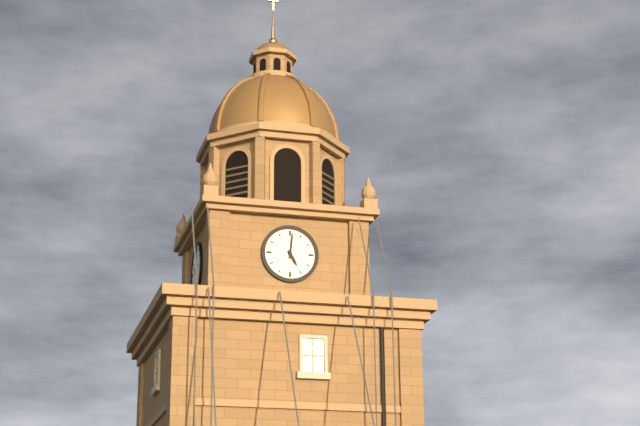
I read 5,01
